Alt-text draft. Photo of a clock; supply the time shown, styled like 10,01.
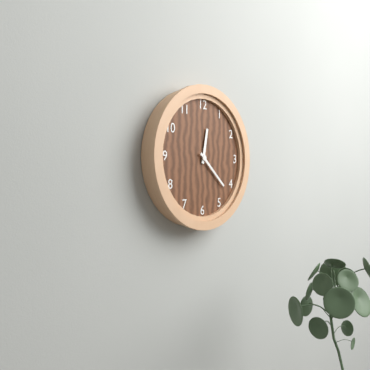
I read 12,22
